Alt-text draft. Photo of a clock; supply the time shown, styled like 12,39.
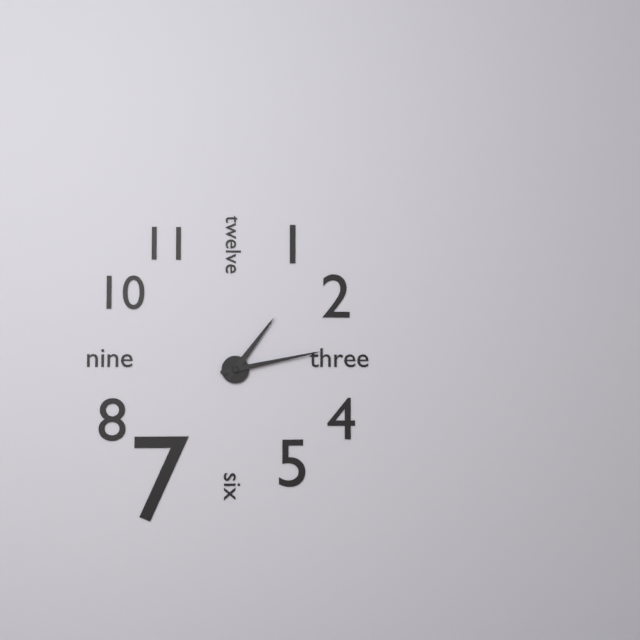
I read 1,13
